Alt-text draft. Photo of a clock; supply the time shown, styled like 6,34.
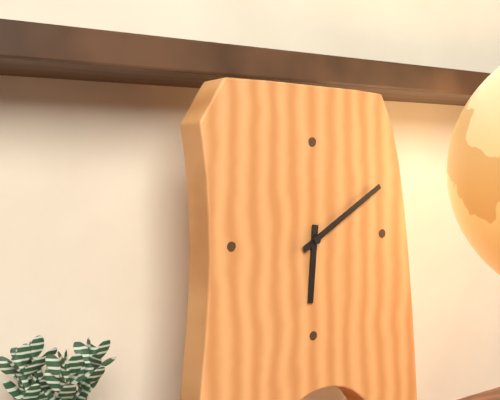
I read 6,10
